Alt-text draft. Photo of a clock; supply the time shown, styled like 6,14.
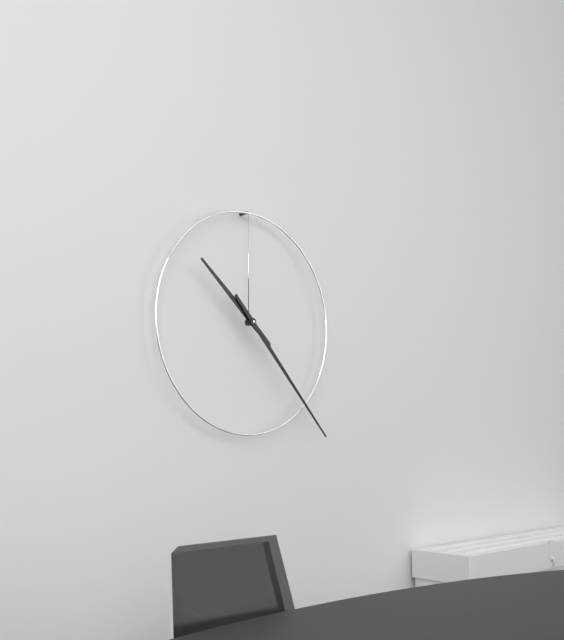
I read 10,23
